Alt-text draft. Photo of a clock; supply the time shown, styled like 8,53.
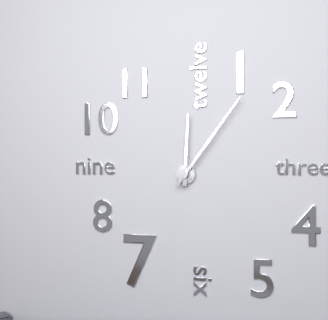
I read 12,06
